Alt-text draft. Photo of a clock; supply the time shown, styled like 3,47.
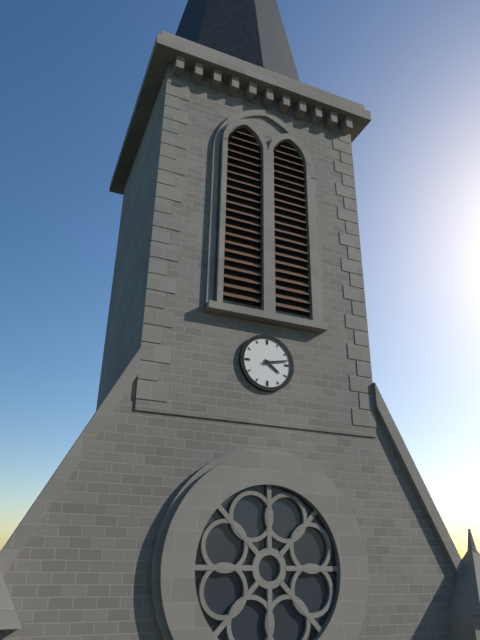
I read 4,13
